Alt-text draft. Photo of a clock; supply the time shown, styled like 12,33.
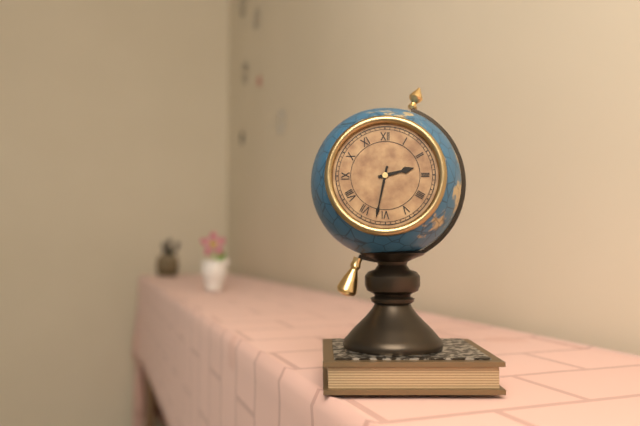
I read 2,32
